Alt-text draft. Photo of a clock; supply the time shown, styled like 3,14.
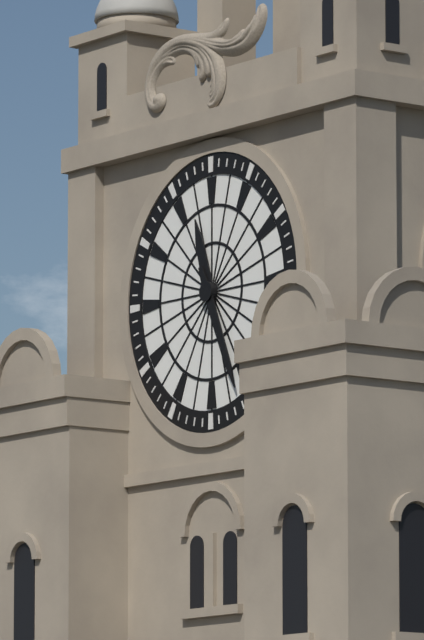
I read 11,26
